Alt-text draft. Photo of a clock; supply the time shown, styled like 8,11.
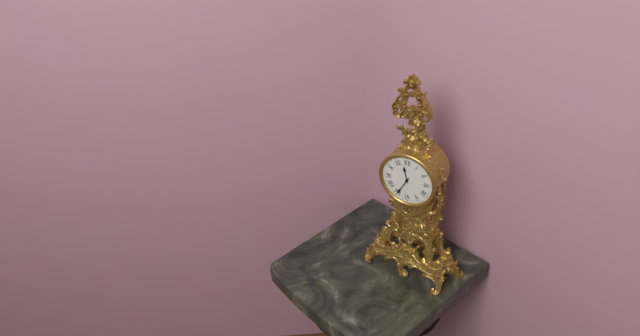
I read 11,35
